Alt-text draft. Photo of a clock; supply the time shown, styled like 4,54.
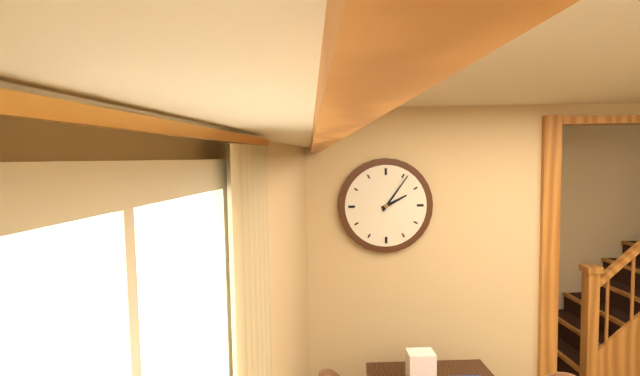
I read 2,06
